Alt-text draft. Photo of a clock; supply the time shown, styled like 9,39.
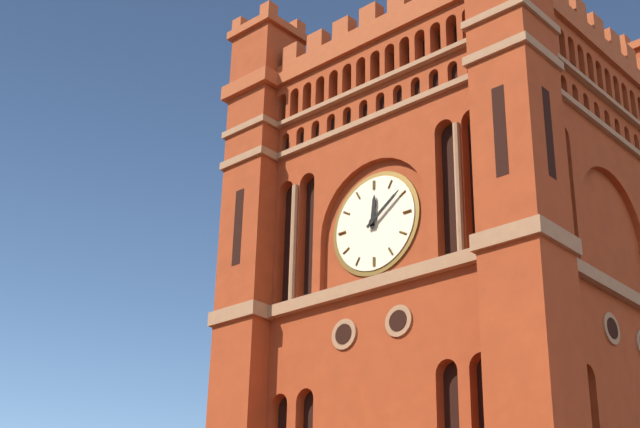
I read 12,09
